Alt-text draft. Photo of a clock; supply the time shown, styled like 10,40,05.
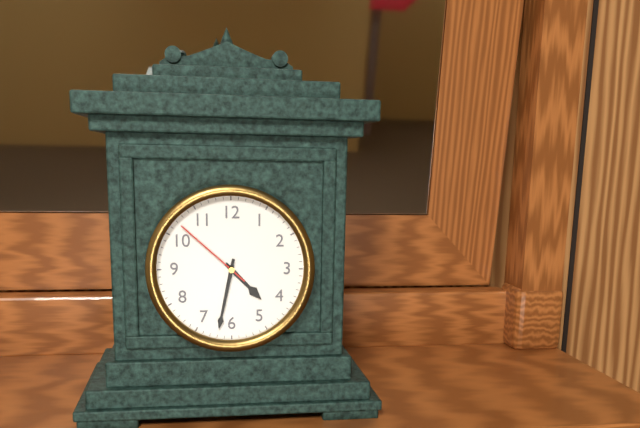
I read 4,32,52
